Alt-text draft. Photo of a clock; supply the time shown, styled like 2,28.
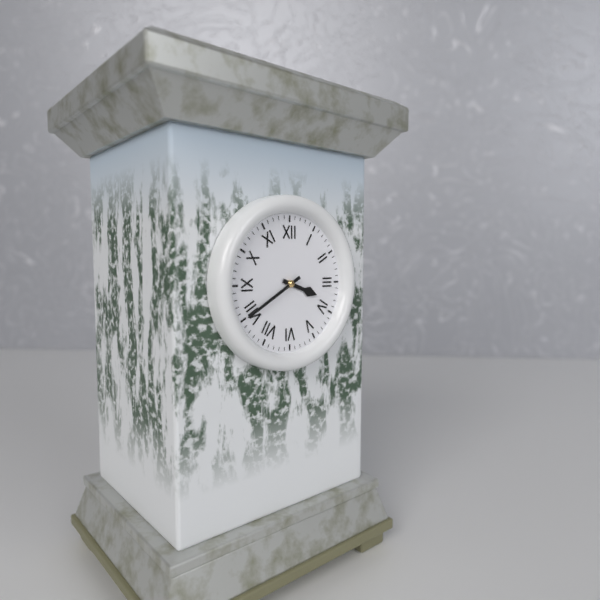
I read 3,40
